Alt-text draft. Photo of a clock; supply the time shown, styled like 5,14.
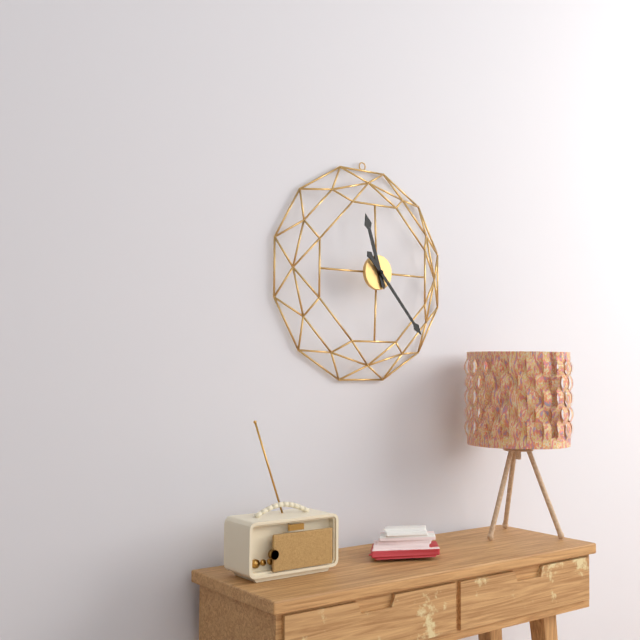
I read 11,23
